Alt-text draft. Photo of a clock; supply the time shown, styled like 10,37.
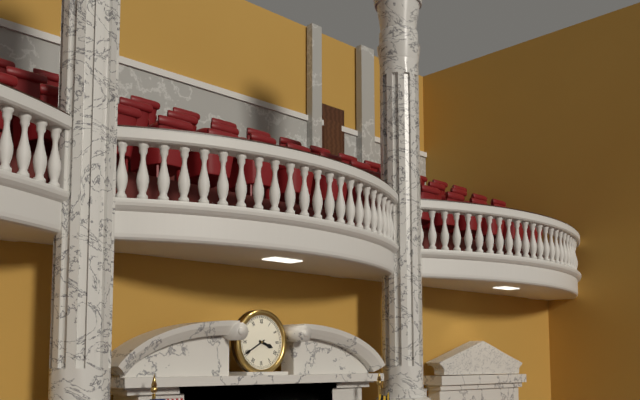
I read 3,40
